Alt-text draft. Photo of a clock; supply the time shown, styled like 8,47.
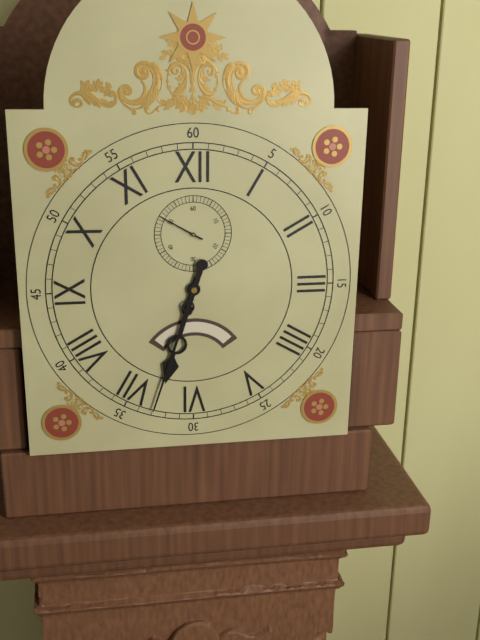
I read 6,33
